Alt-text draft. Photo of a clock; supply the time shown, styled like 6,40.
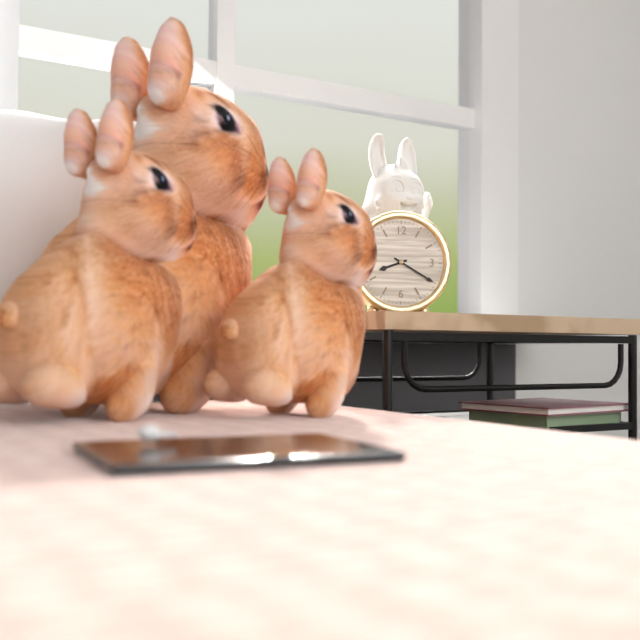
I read 8,20
